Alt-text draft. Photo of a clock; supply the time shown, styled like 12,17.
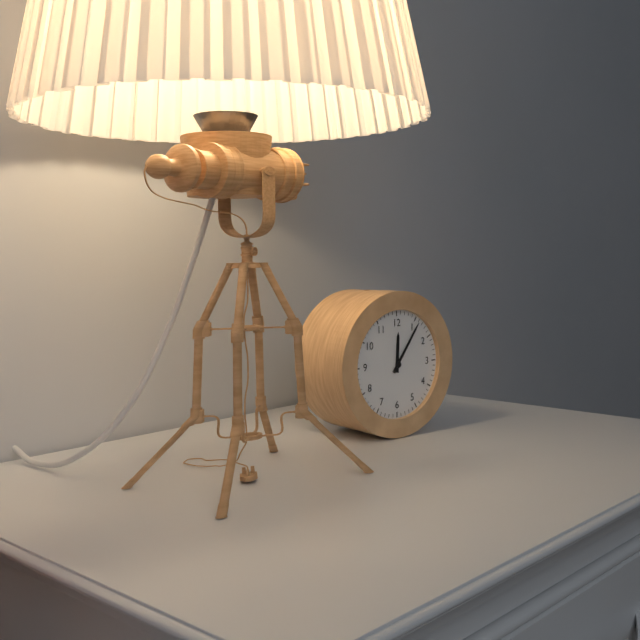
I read 12,06
